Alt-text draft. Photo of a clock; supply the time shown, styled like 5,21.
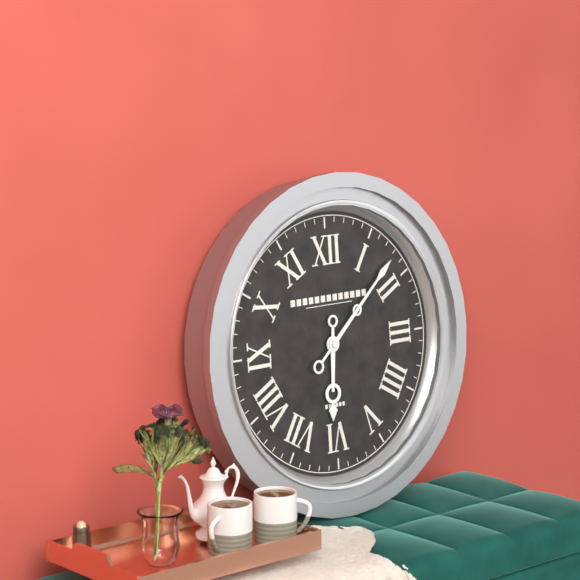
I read 6,08
